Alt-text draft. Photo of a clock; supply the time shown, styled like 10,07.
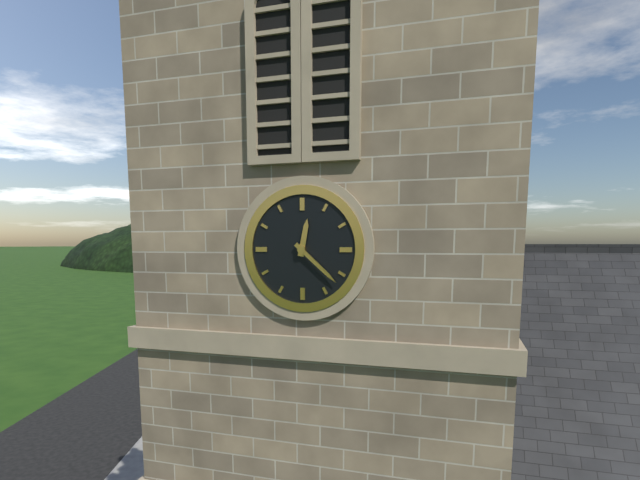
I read 12,22
